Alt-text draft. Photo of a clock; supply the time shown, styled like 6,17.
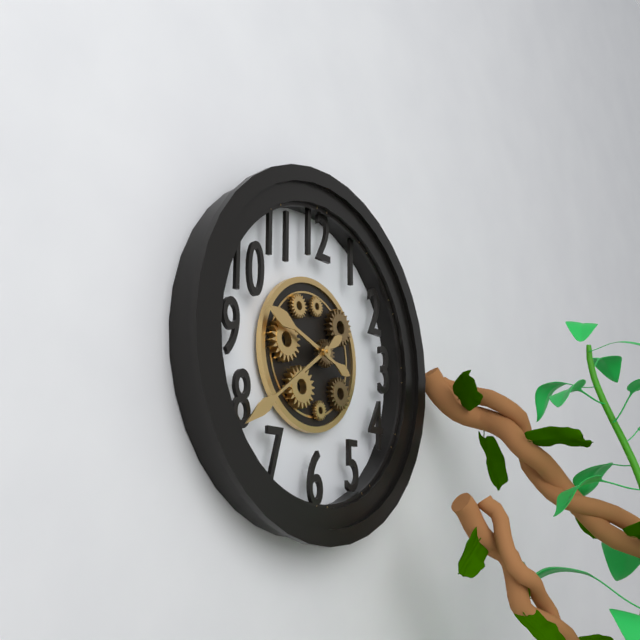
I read 9,39
